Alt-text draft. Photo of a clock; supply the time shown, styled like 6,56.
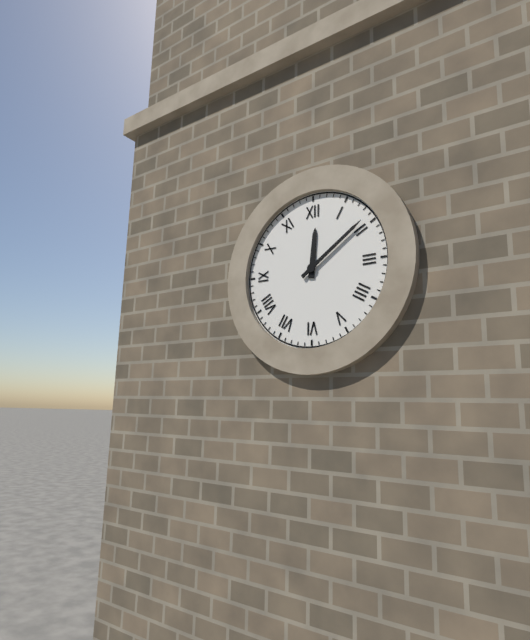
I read 12,09
